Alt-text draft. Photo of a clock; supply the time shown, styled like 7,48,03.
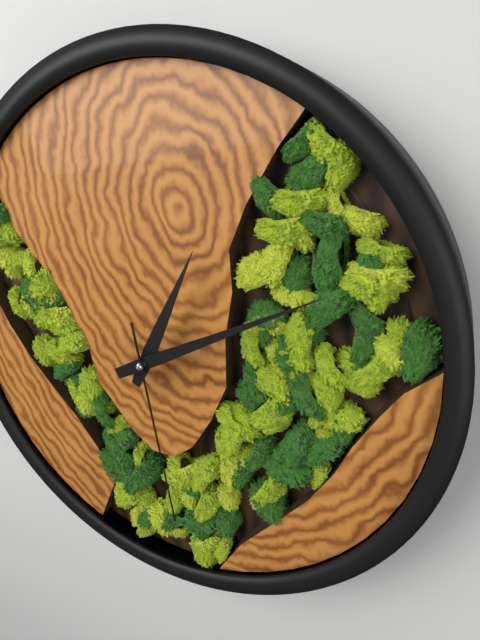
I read 1,12,30
